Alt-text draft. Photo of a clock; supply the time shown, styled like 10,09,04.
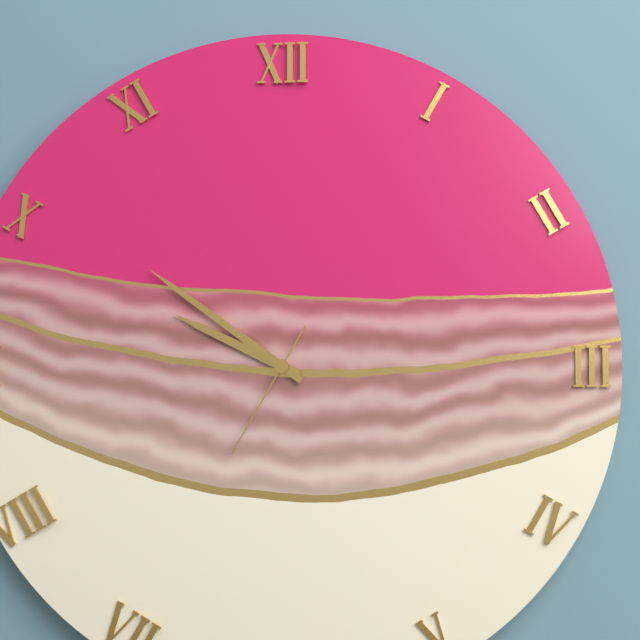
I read 9,51,35
